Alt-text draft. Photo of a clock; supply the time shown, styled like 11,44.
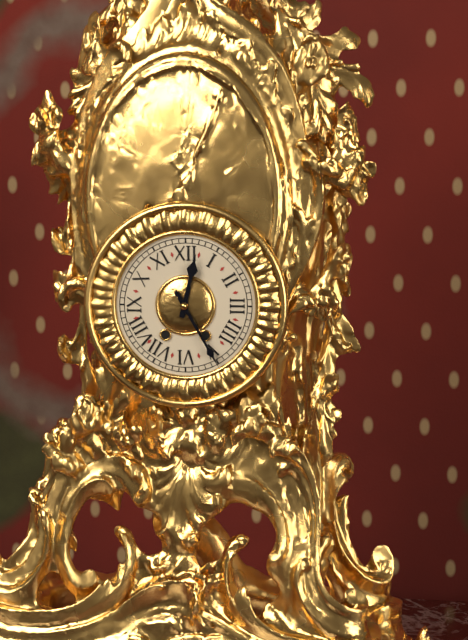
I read 12,25
